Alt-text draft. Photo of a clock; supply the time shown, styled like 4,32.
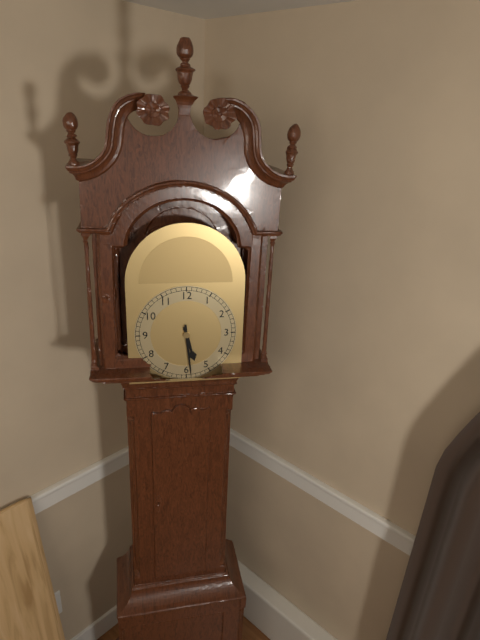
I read 5,29
